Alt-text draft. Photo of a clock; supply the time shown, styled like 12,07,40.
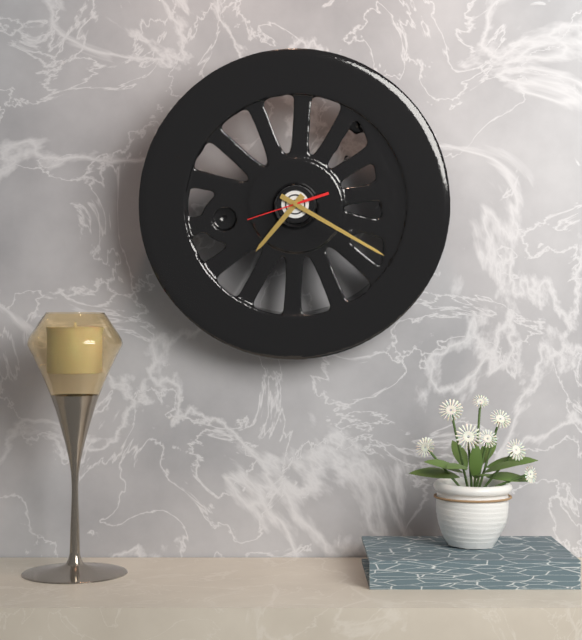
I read 7,20,42
